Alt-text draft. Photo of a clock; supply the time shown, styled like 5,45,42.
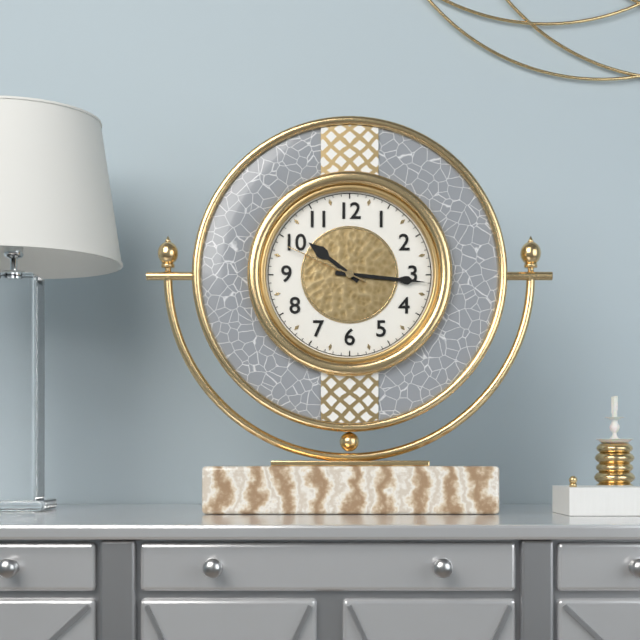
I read 10,16,49
